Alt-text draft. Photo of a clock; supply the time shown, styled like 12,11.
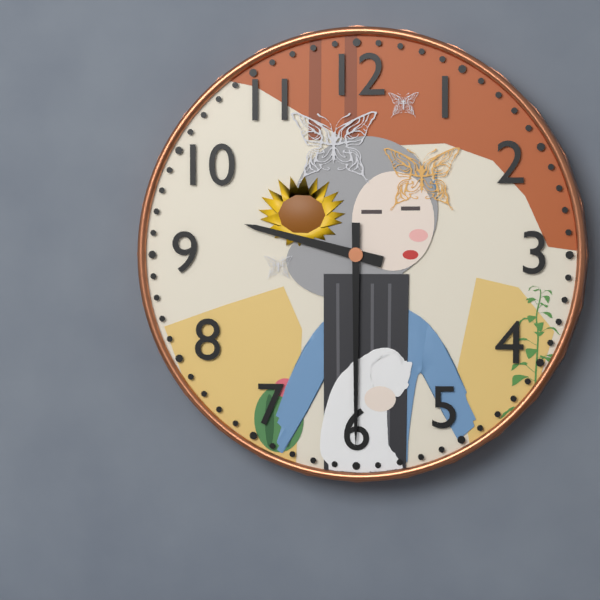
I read 9,30
